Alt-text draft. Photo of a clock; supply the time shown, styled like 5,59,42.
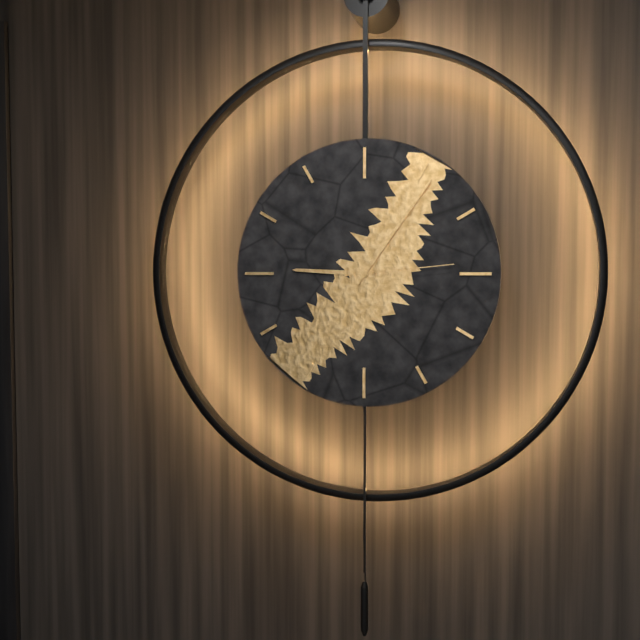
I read 9,06,14
